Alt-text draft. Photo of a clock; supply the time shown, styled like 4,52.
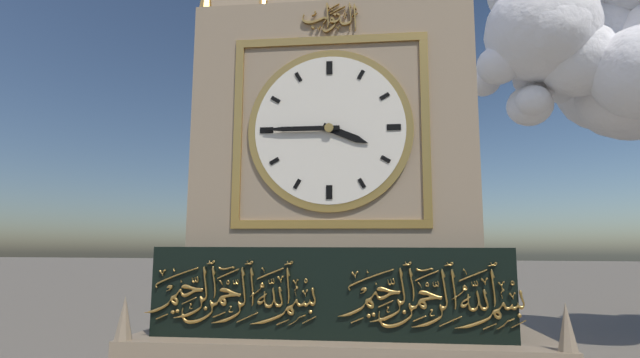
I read 3,45
